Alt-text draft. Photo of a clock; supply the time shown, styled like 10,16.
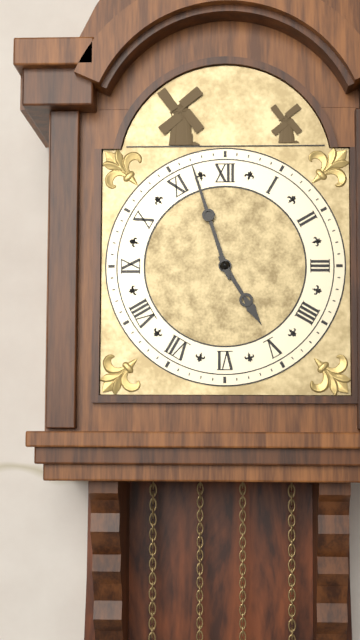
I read 4,57
